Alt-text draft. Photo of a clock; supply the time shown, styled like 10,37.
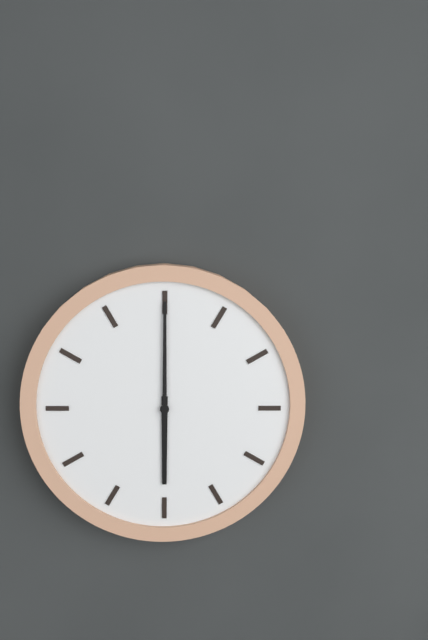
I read 6,00
